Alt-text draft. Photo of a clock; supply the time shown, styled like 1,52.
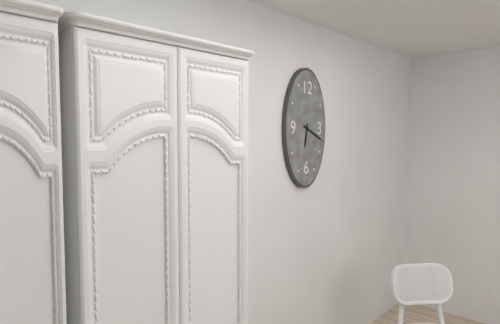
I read 6,19
